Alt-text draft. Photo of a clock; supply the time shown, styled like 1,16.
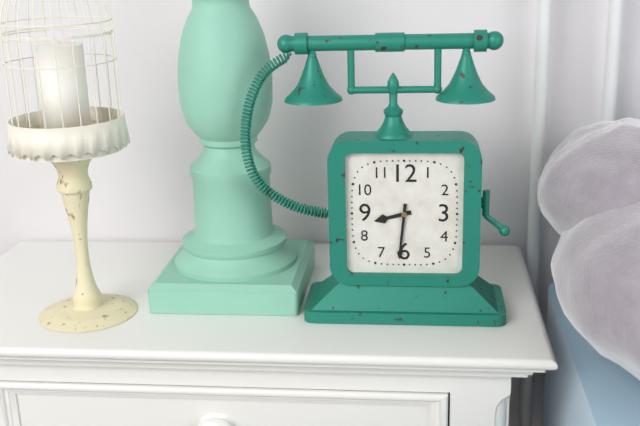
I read 8,31
